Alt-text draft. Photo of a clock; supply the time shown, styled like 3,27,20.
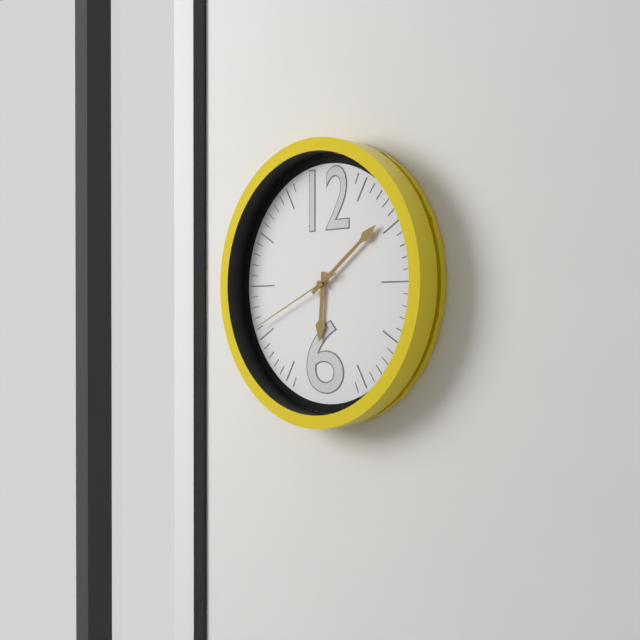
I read 6,09,41
